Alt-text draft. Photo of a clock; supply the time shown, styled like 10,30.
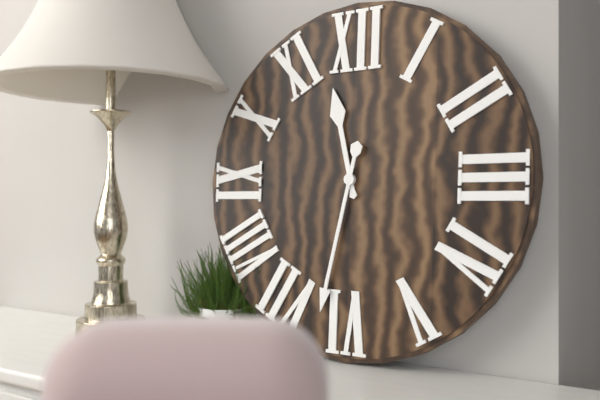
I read 11,32
